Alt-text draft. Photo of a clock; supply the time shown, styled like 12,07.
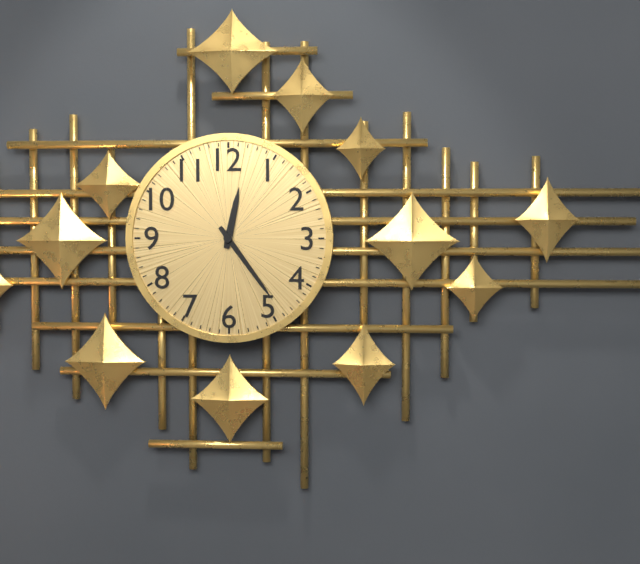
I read 12,24
